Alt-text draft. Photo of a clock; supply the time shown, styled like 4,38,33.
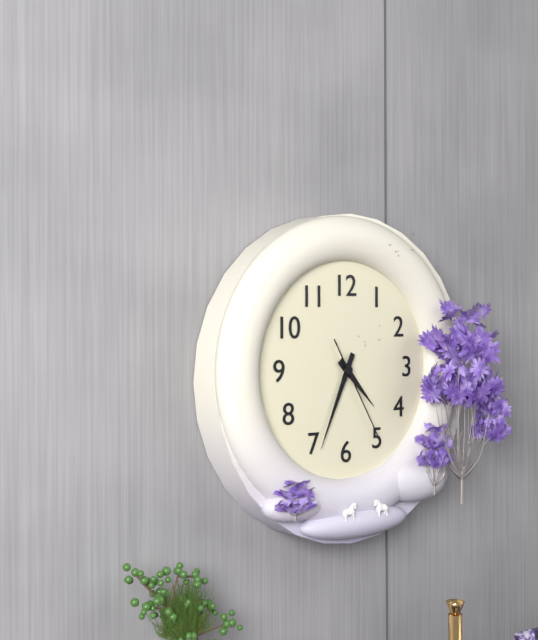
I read 4,34,25
